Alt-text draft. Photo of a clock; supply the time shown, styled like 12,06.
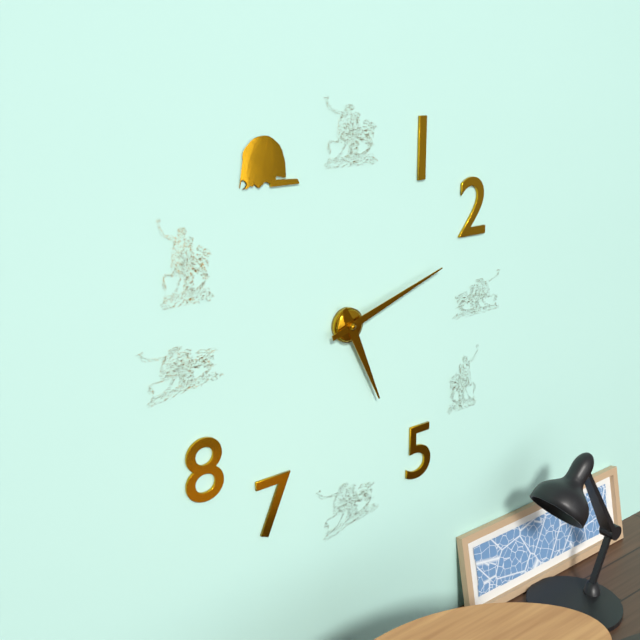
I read 5,12
